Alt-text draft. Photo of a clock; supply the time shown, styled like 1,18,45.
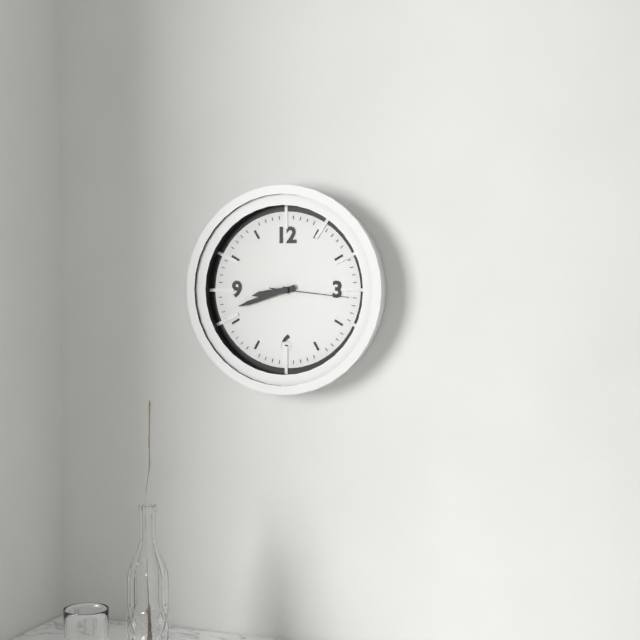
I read 8,42,16
